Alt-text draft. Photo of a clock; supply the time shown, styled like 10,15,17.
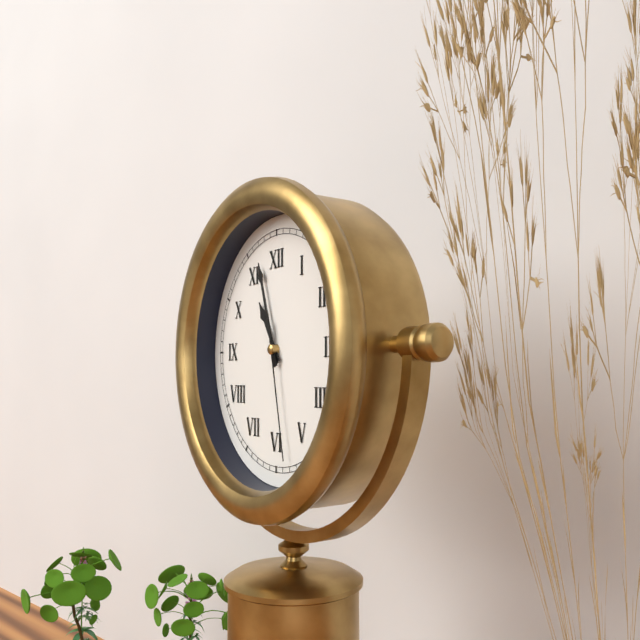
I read 10,57,28
